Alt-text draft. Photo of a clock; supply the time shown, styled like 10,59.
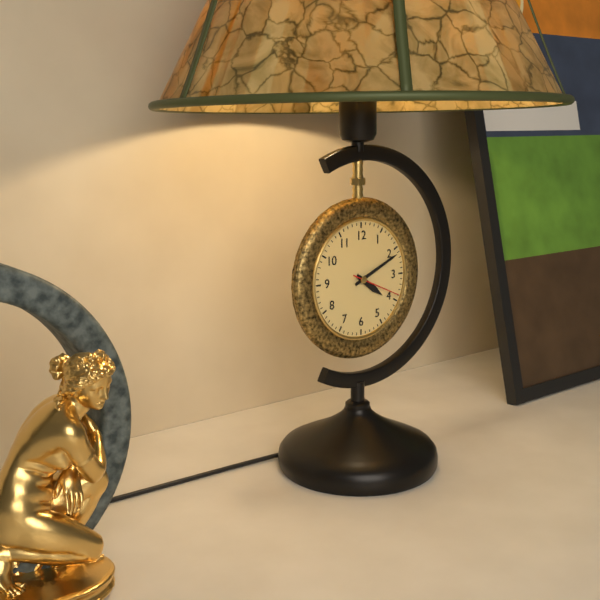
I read 4,11
